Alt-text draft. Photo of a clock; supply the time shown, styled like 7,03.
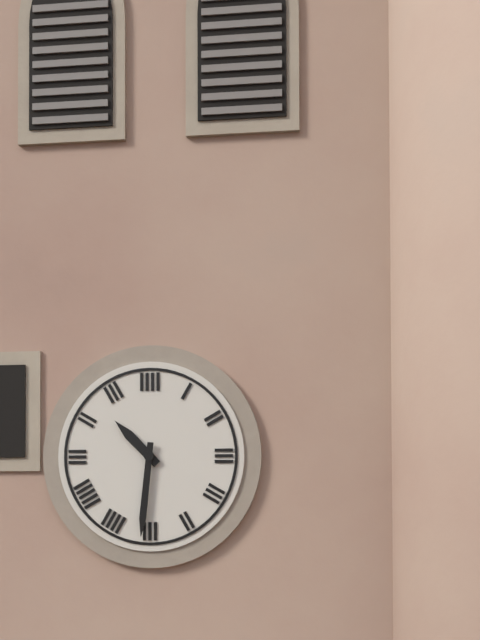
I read 10,31
